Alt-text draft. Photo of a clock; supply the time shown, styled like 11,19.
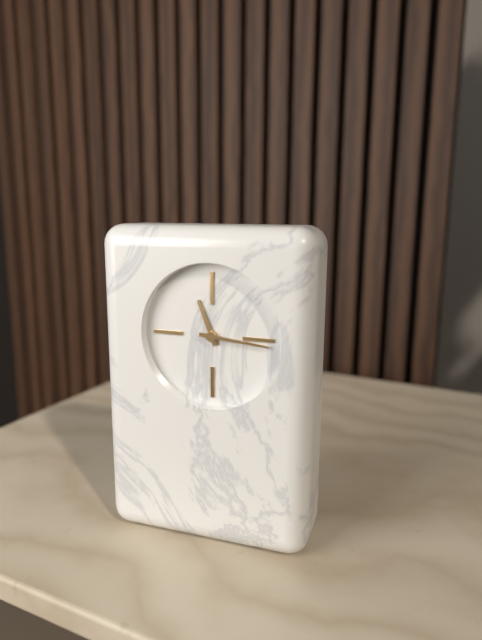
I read 11,16
